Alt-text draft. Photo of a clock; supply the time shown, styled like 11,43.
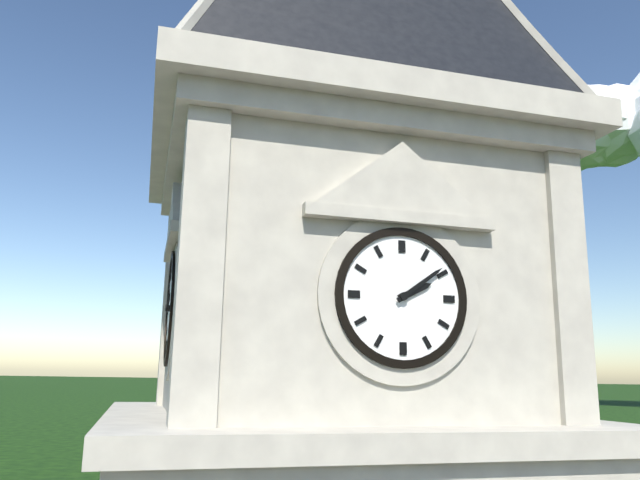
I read 2,09
